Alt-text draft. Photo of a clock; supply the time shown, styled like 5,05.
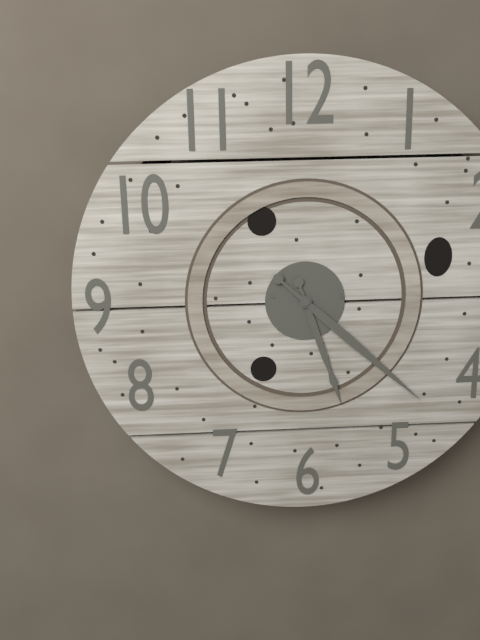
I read 5,22
